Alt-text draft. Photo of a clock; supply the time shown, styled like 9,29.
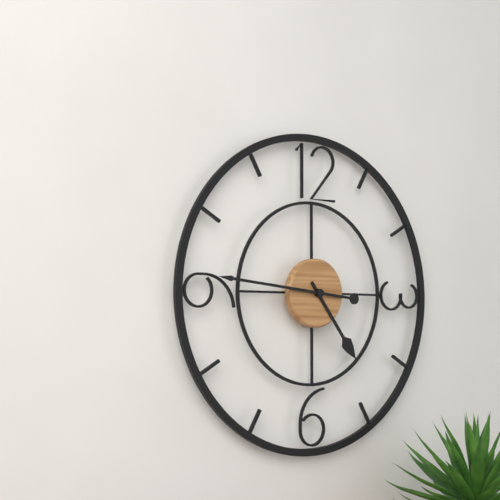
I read 4,46
